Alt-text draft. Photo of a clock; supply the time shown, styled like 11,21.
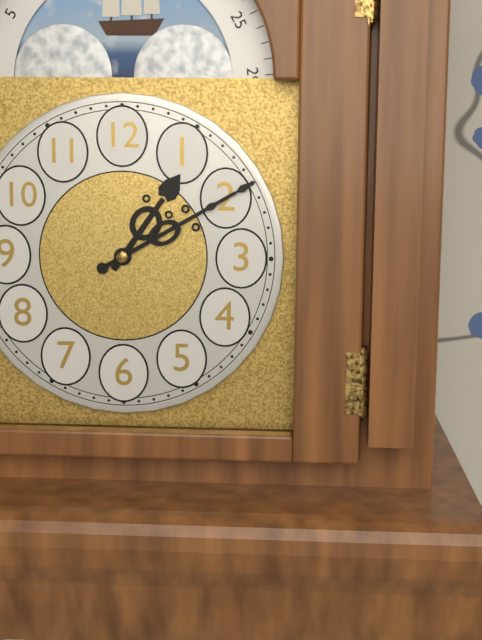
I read 1,10
